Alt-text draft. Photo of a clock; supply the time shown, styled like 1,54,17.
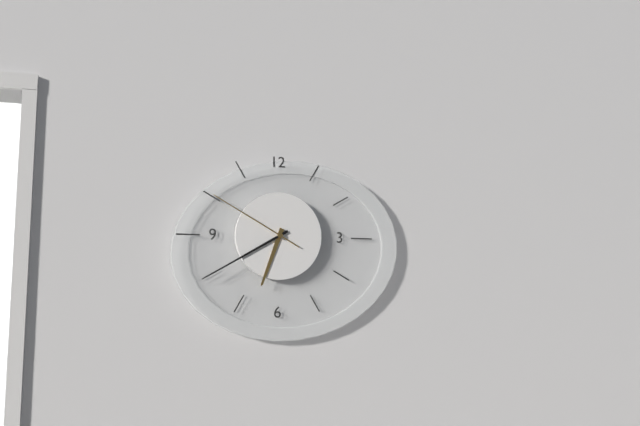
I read 6,40,50
